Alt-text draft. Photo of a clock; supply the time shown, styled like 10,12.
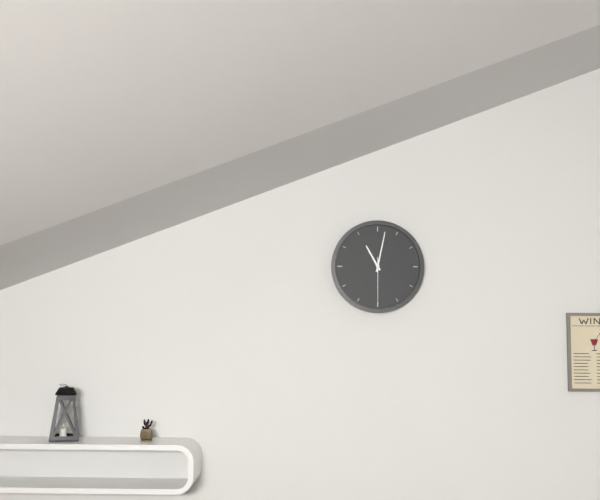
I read 11,02
